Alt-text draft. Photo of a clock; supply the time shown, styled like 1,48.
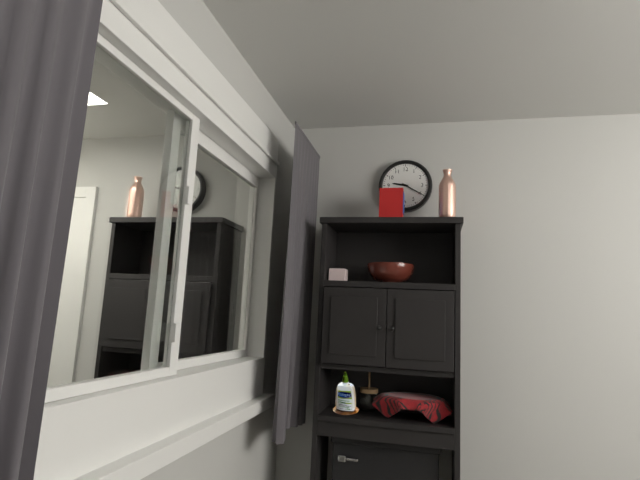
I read 9,20
